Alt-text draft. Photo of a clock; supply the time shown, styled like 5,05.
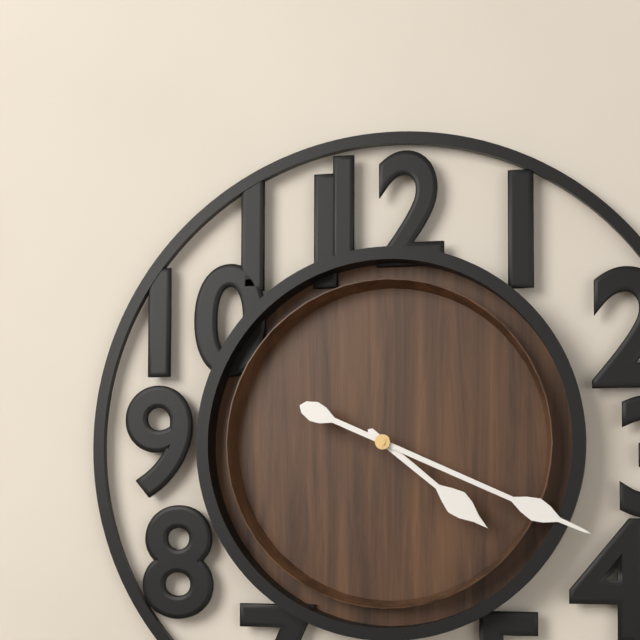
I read 4,19
